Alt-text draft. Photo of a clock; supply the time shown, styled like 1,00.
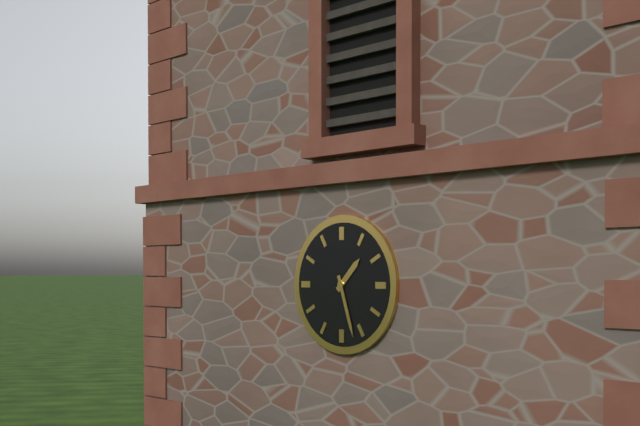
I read 1,27
